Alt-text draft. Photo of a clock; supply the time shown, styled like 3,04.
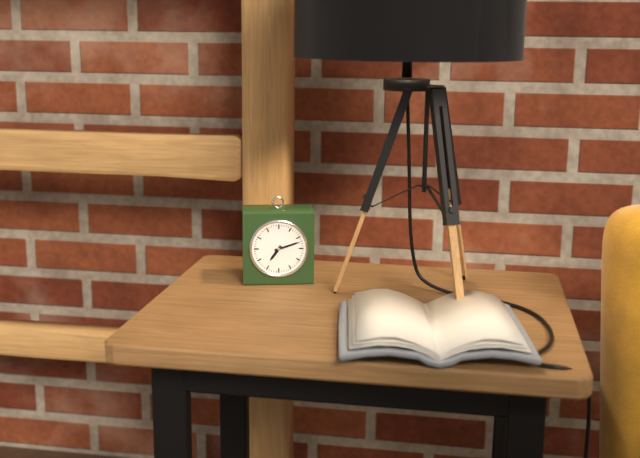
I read 7,12
